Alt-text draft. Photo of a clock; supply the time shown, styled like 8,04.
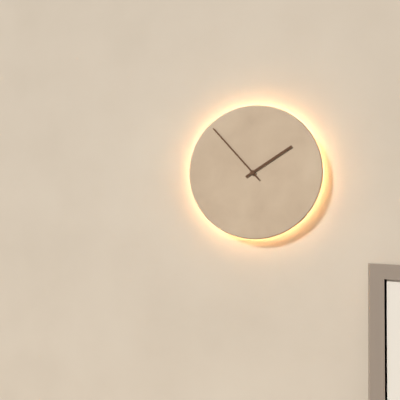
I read 1,53
